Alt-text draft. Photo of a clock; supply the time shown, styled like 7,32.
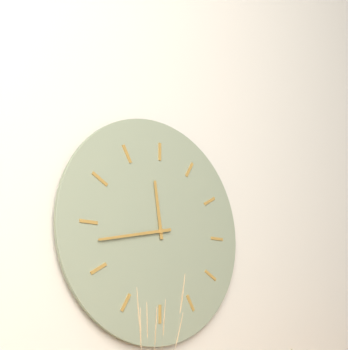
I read 11,43
